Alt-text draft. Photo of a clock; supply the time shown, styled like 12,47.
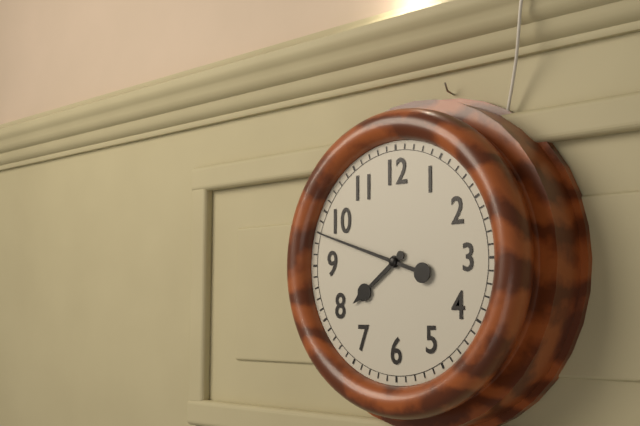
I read 7,48
